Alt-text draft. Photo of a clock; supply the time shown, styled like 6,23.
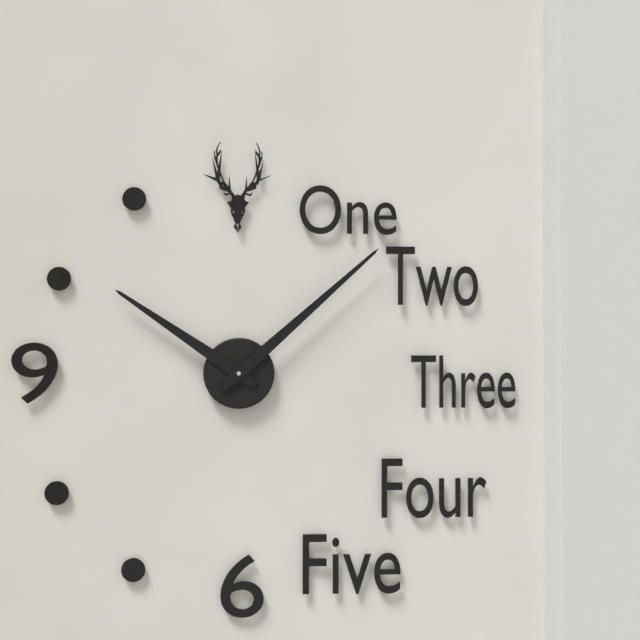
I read 10,08
